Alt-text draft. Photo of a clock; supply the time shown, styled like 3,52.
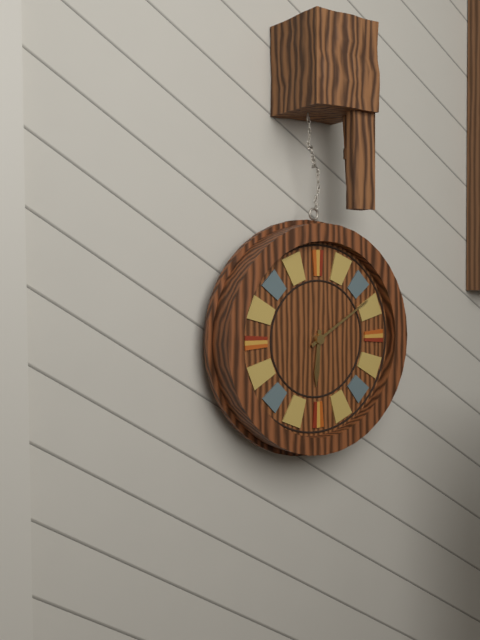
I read 6,10
